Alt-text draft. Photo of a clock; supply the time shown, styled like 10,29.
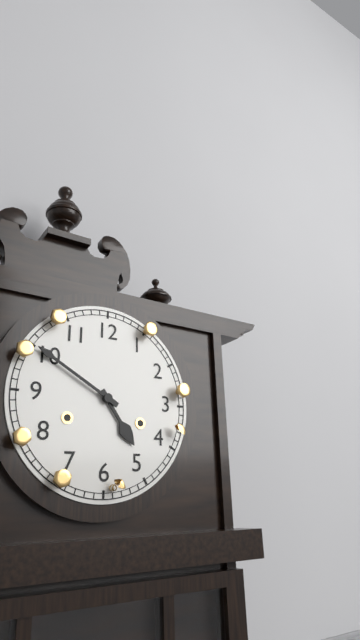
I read 4,50
